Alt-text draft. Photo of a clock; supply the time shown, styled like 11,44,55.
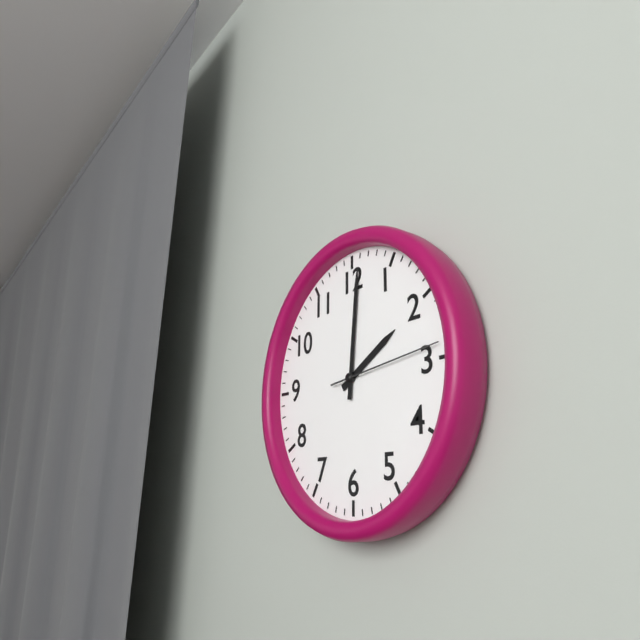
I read 2,01,14
